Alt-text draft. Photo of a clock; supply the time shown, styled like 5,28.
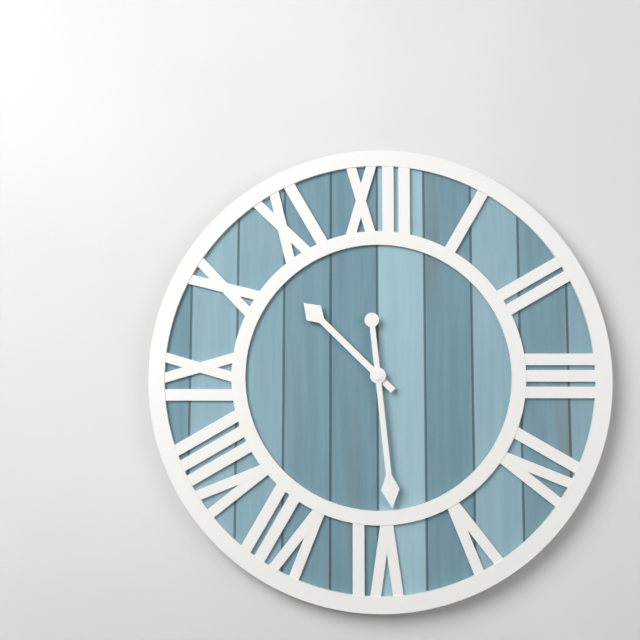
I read 10,29
